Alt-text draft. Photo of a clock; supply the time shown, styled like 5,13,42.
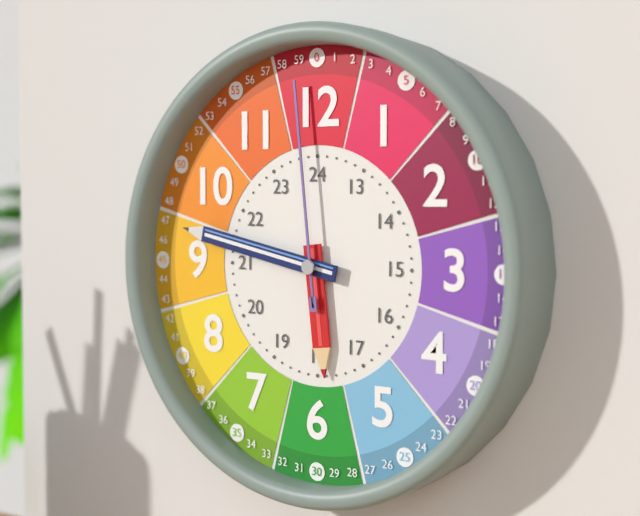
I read 5,47,59
